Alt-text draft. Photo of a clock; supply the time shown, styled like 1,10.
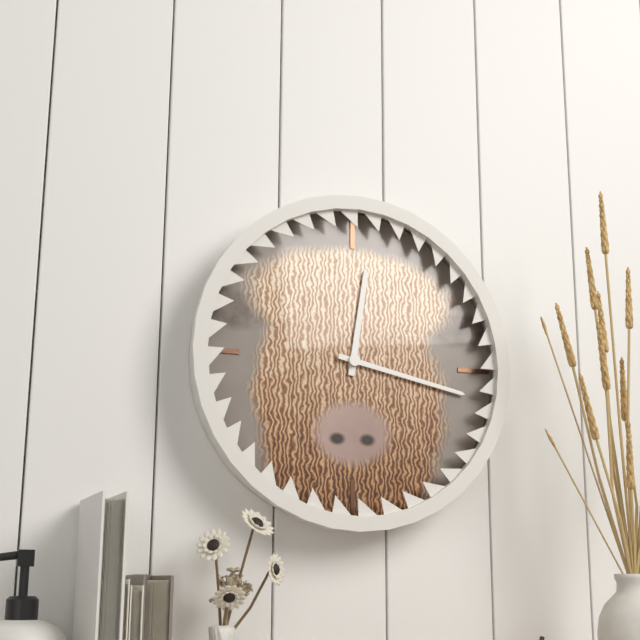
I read 12,17
